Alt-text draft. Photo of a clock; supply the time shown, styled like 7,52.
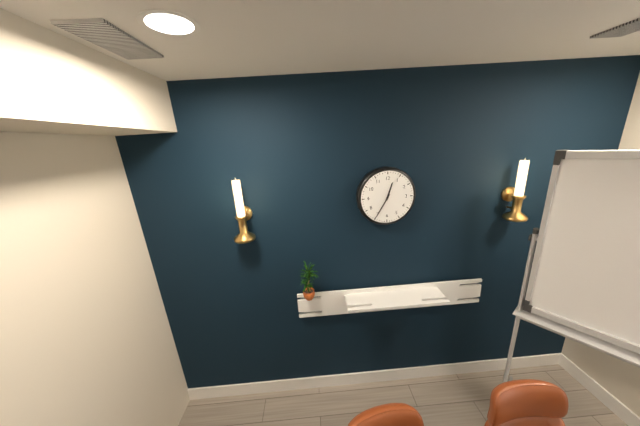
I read 12,35
